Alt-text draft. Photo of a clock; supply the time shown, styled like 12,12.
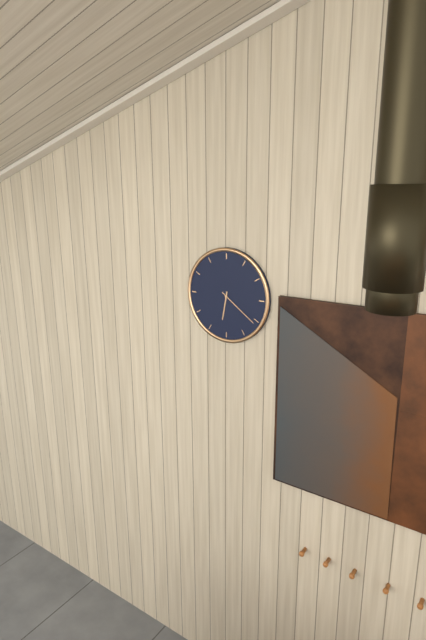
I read 6,21
